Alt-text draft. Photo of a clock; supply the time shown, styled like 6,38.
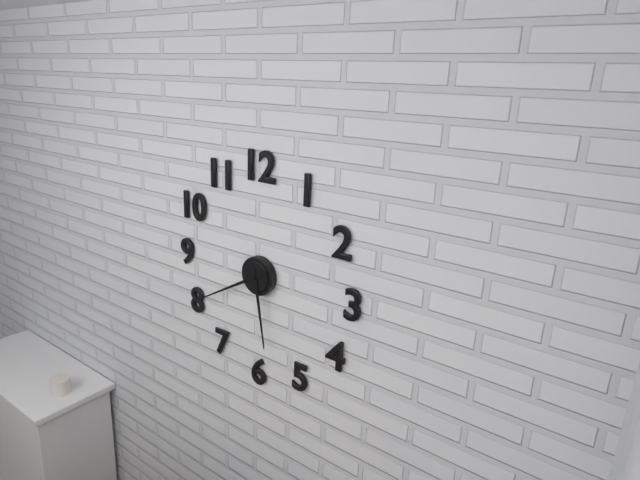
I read 5,40
